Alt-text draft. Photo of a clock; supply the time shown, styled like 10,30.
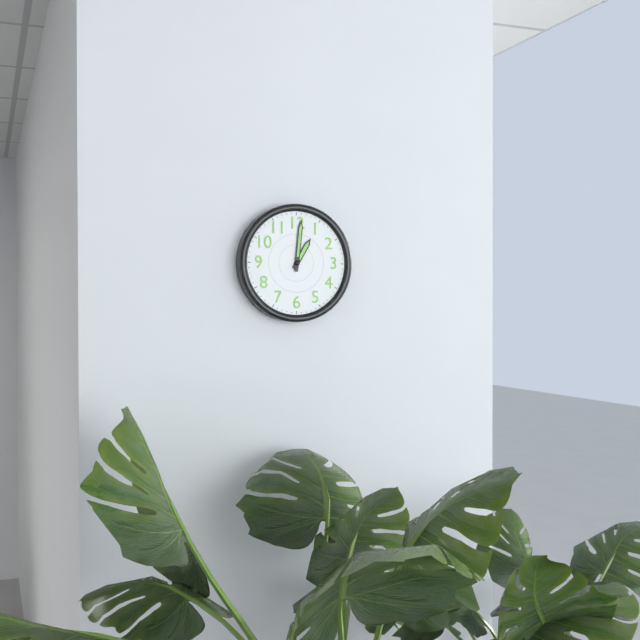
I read 1,01
